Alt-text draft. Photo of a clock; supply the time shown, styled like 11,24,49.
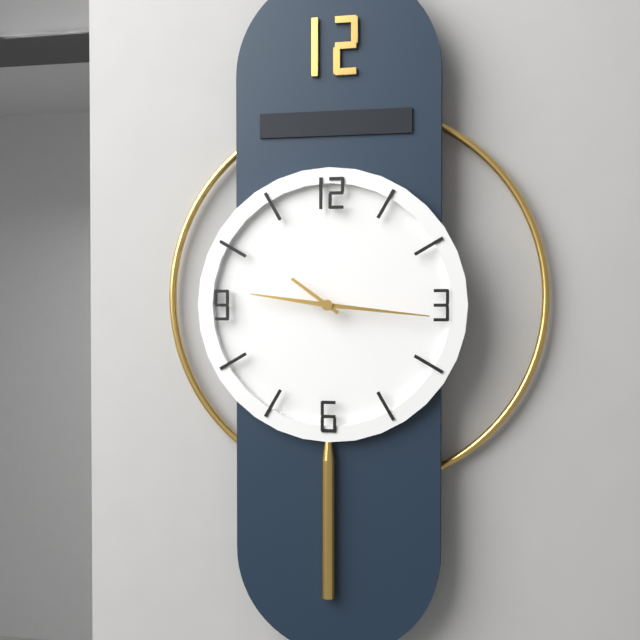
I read 9,16,51
